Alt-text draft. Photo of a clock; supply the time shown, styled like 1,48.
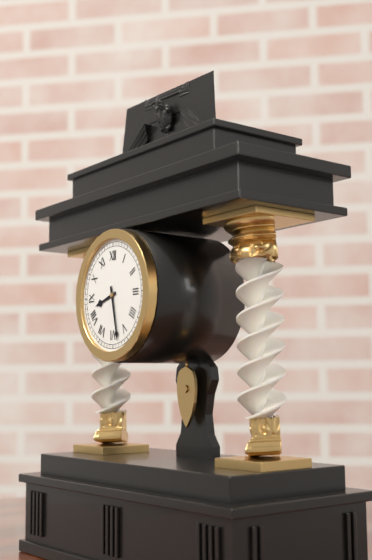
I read 8,28
